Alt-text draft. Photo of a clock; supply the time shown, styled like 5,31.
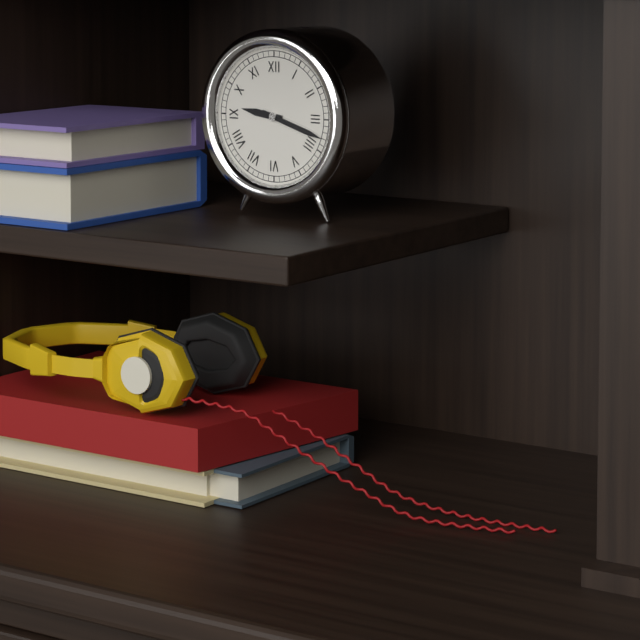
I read 9,18
